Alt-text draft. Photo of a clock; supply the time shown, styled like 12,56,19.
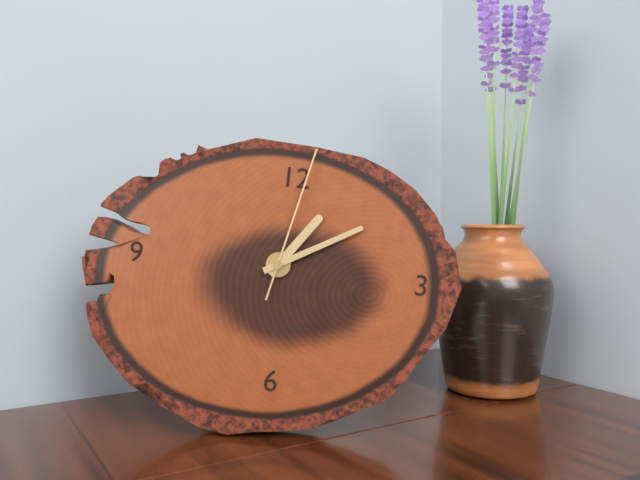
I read 1,10,02
